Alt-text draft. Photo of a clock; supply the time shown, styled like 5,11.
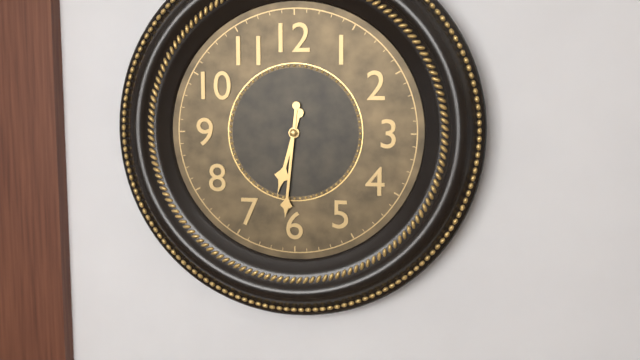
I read 6,31
